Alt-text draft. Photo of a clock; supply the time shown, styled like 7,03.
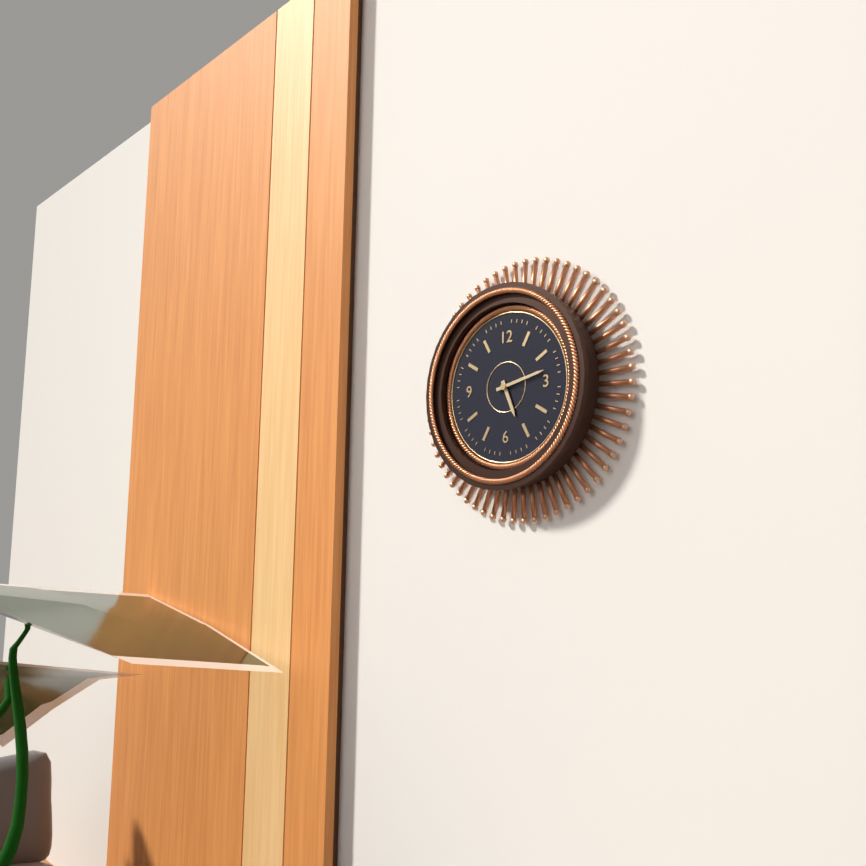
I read 5,13
